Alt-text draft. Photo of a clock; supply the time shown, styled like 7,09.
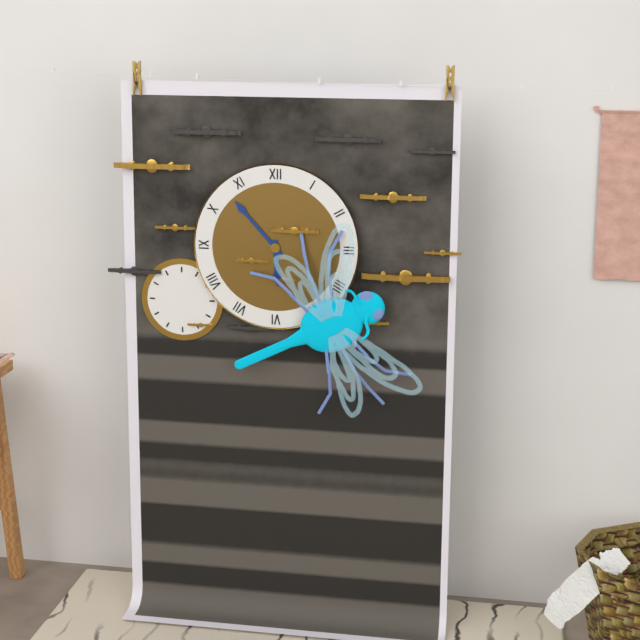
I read 5,53
